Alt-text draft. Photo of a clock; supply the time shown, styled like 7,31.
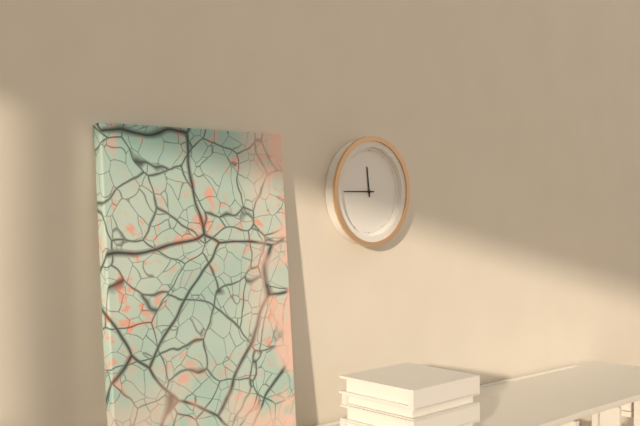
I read 11,45
